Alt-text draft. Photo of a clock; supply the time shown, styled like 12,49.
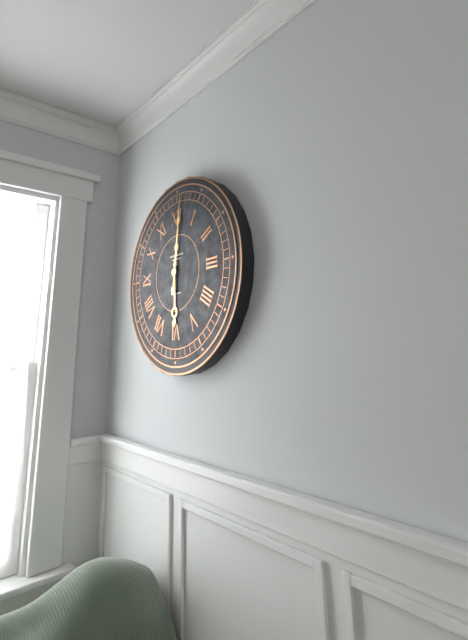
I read 6,01
